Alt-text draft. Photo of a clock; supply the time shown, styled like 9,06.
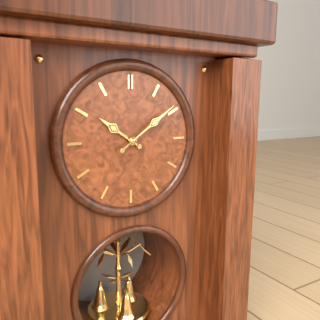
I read 10,09
